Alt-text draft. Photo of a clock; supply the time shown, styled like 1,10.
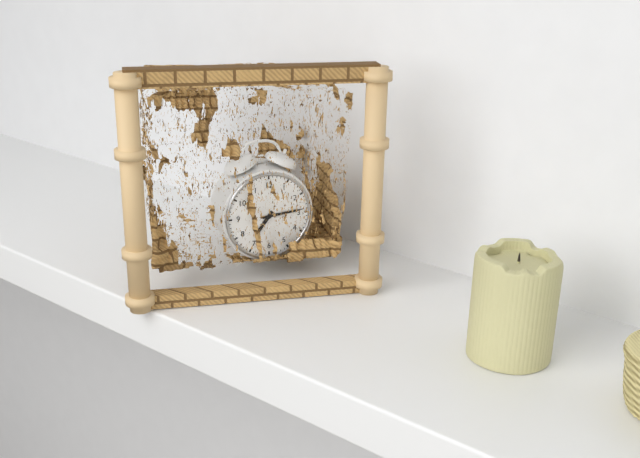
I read 7,14
